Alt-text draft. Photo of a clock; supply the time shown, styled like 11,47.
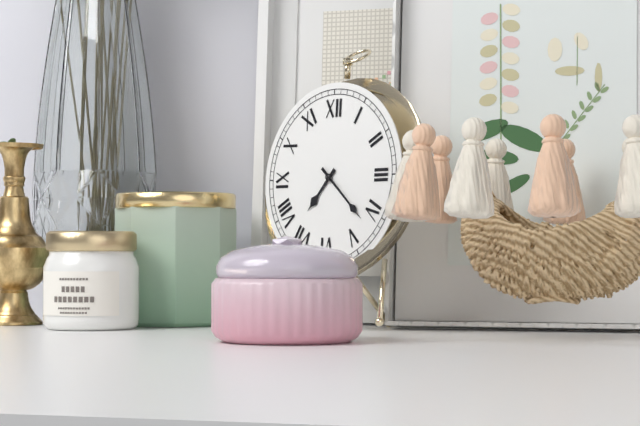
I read 7,22
